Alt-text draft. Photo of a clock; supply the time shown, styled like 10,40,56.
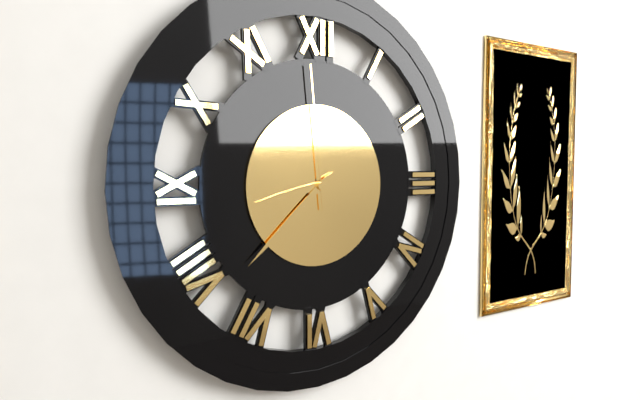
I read 8,38,59
